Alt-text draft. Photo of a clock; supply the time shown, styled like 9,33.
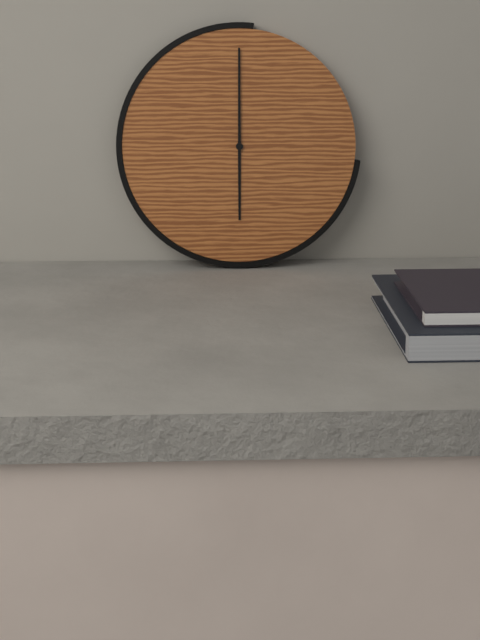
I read 6,00
